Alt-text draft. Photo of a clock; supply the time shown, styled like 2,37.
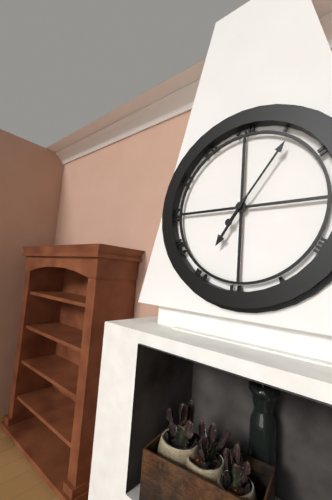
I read 7,06
